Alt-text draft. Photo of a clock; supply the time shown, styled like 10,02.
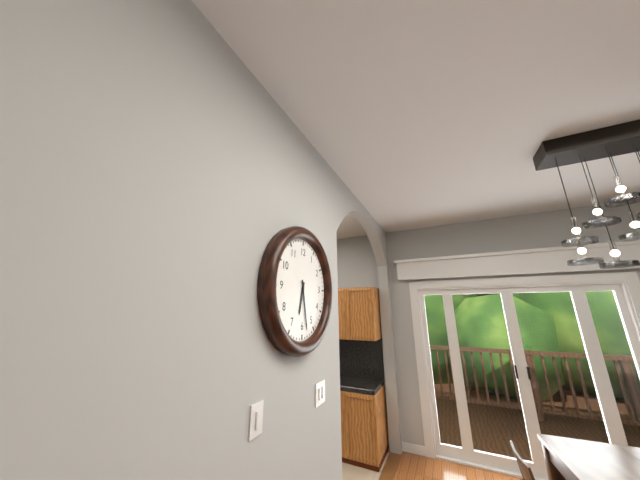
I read 6,28
